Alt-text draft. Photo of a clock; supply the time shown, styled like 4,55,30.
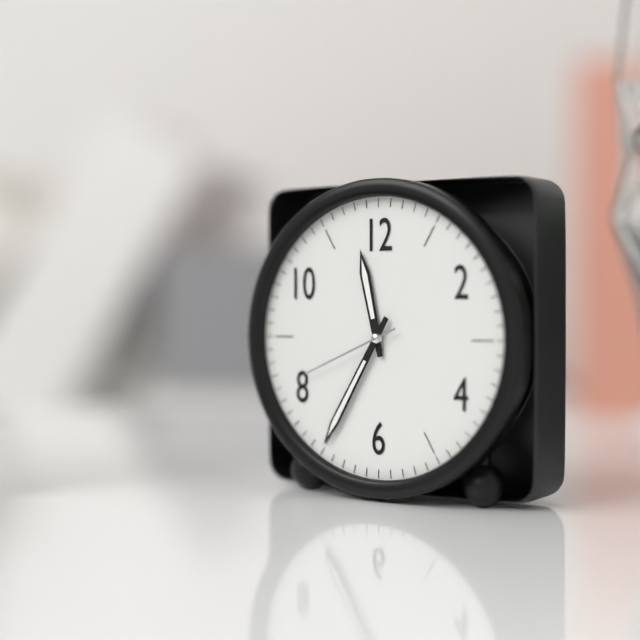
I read 11,35,41
